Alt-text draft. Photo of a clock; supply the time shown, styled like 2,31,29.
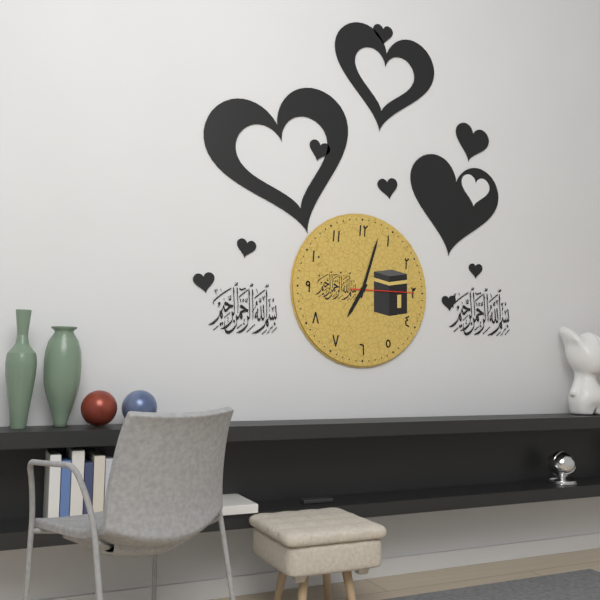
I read 7,03,15
